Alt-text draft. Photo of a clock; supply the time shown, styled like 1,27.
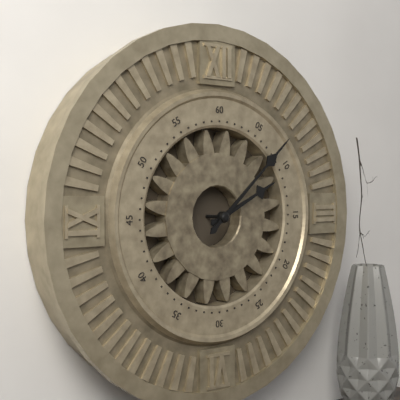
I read 2,08
